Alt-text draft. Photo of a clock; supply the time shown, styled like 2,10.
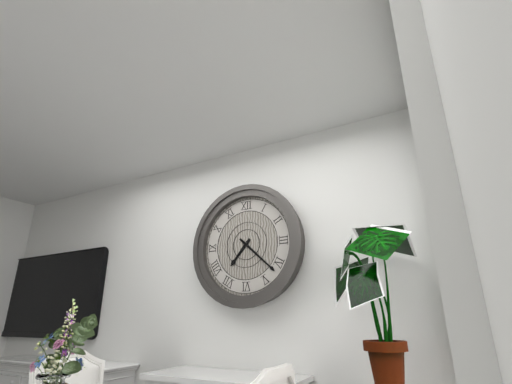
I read 7,22
